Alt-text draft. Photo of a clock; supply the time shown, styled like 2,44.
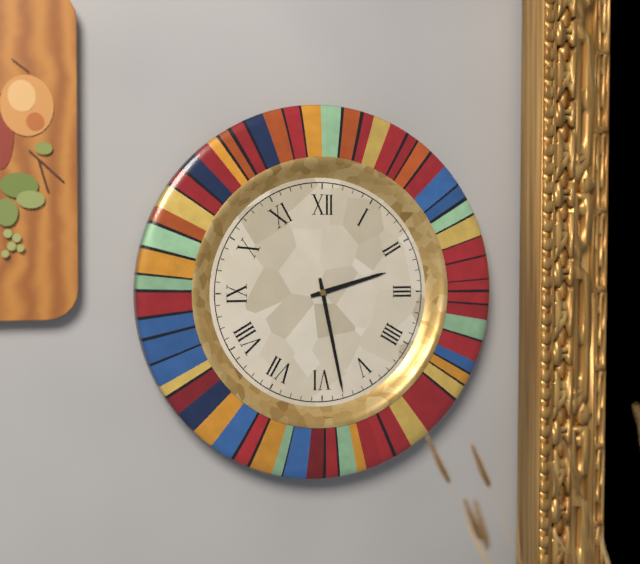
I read 2,28
